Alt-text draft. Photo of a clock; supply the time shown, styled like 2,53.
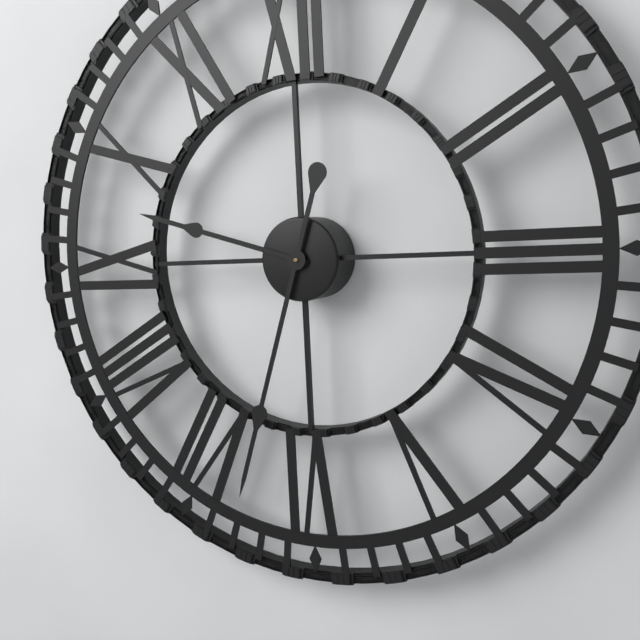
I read 9,33
